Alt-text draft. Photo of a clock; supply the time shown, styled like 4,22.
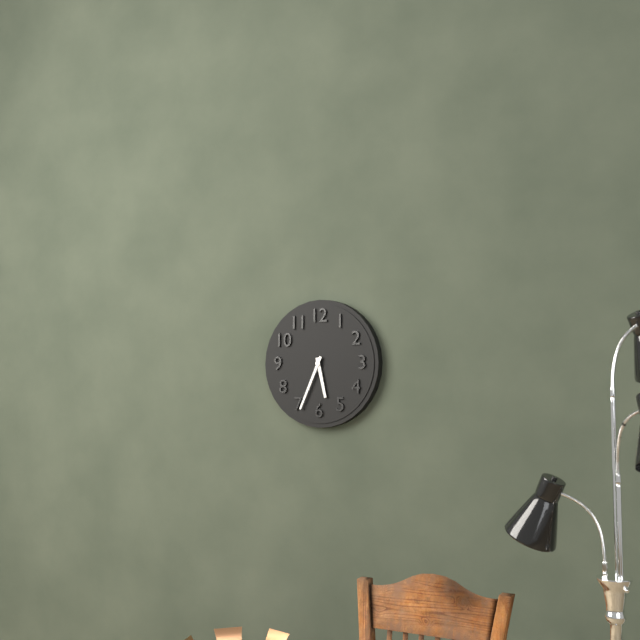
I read 5,34
